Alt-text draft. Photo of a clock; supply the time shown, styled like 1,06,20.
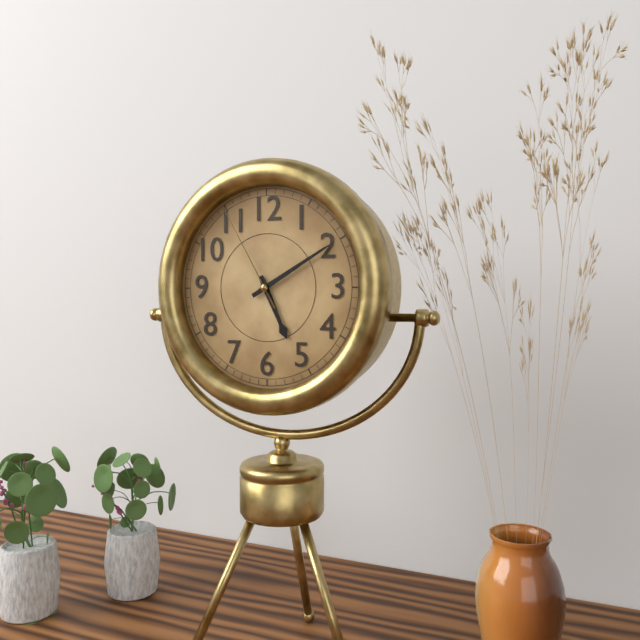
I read 5,10,55
